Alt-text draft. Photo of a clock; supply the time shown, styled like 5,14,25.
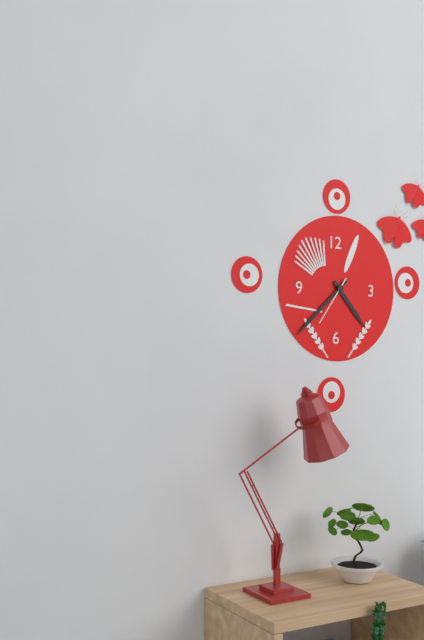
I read 4,38,36
